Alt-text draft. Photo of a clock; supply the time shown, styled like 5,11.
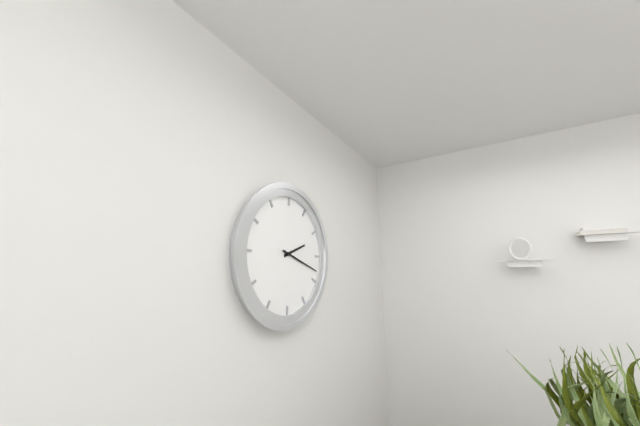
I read 2,18
